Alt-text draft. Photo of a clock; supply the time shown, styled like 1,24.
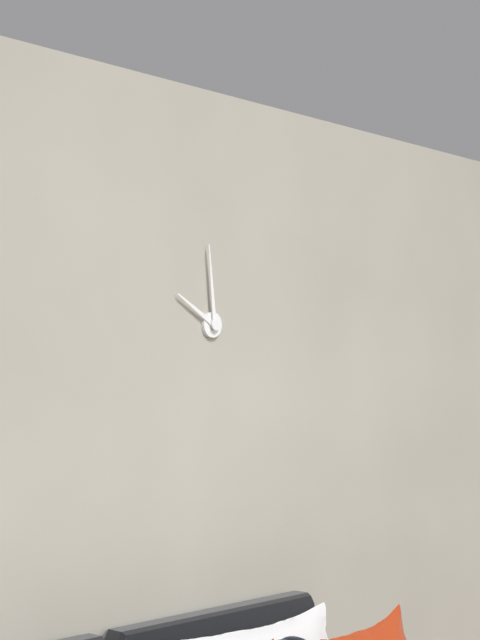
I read 9,59
